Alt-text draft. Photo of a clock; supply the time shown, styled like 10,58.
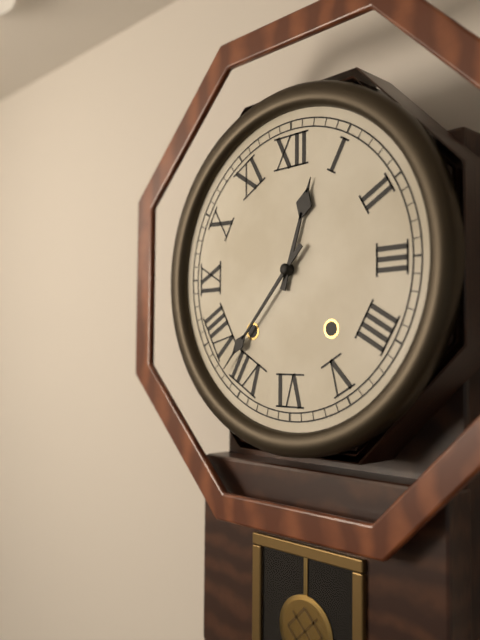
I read 12,37
